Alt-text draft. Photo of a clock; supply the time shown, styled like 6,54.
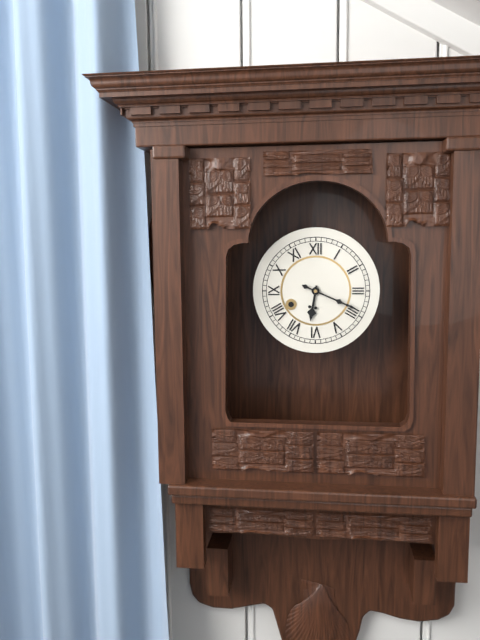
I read 6,19
